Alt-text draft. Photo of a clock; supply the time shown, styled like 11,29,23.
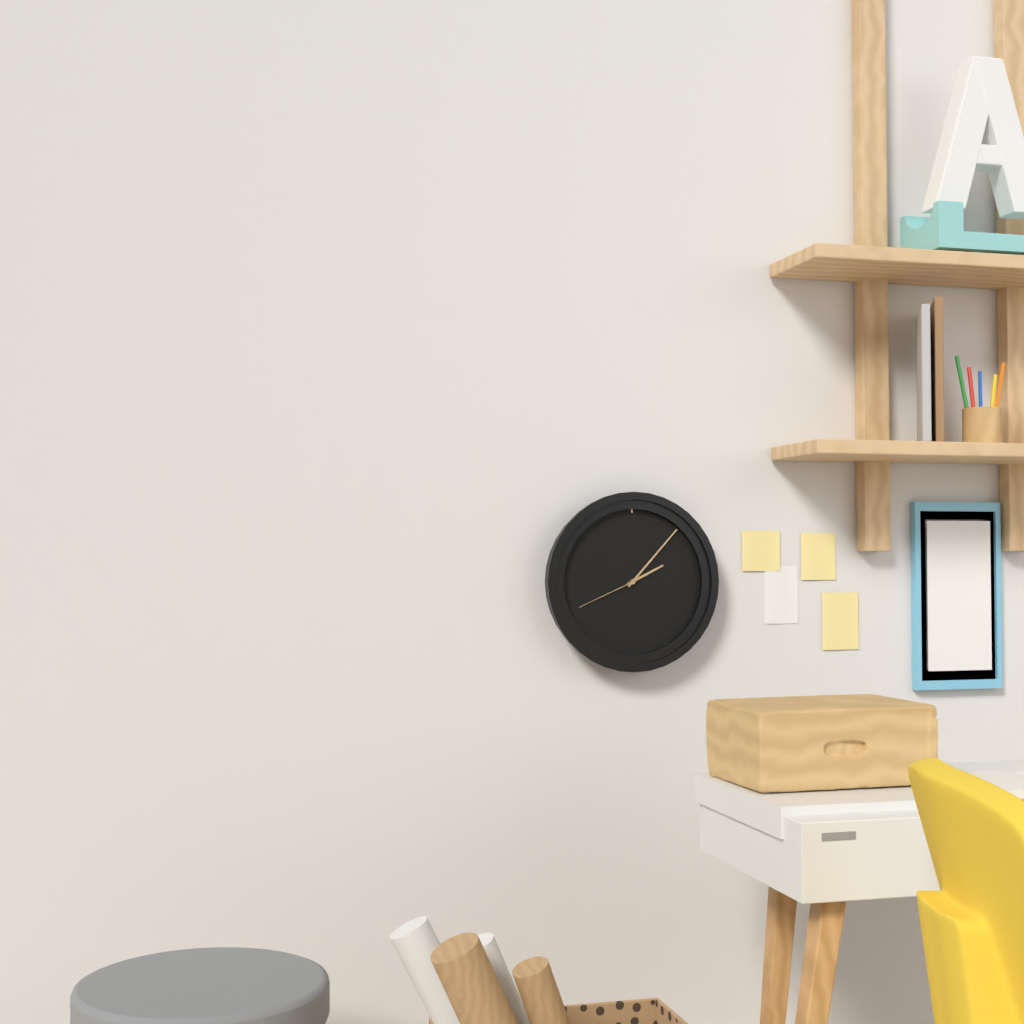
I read 2,07,41
